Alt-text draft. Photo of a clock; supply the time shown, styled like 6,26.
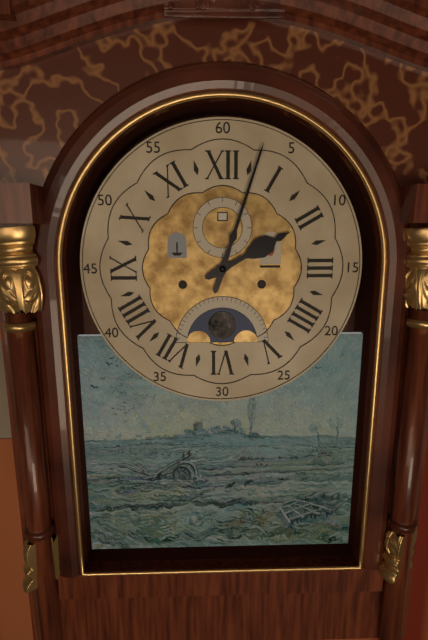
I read 2,03
